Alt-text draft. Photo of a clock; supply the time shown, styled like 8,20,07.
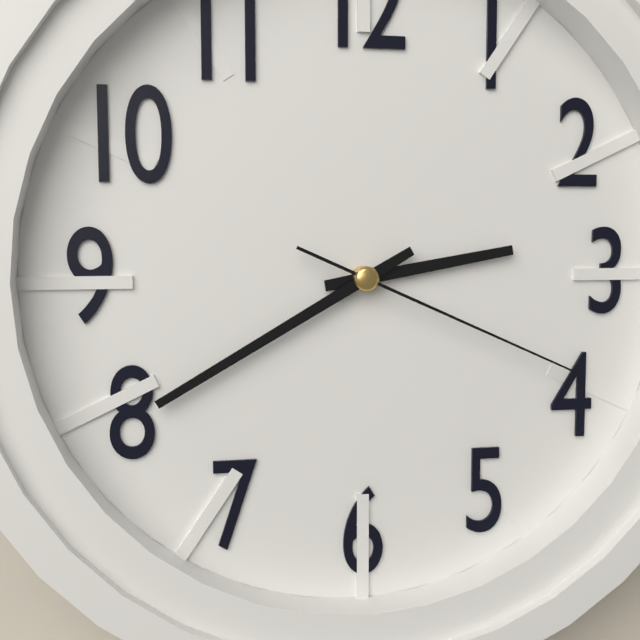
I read 2,40,19
